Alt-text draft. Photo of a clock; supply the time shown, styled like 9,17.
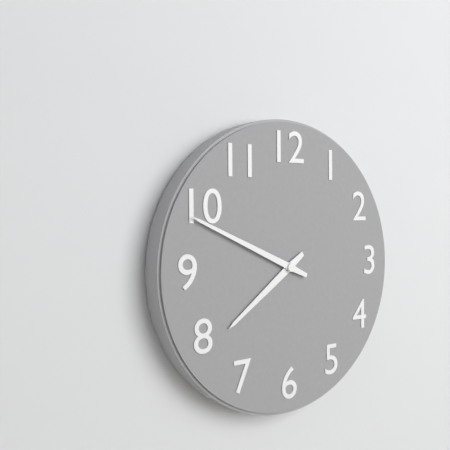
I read 7,49
